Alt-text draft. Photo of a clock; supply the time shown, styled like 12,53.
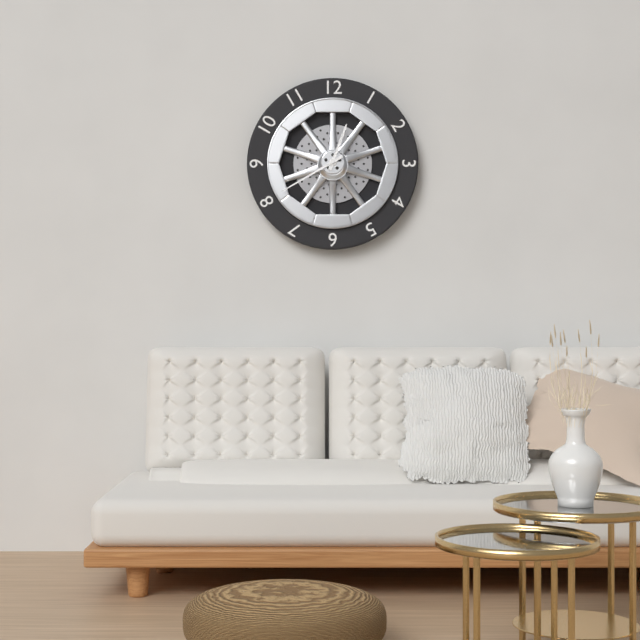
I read 12,40
